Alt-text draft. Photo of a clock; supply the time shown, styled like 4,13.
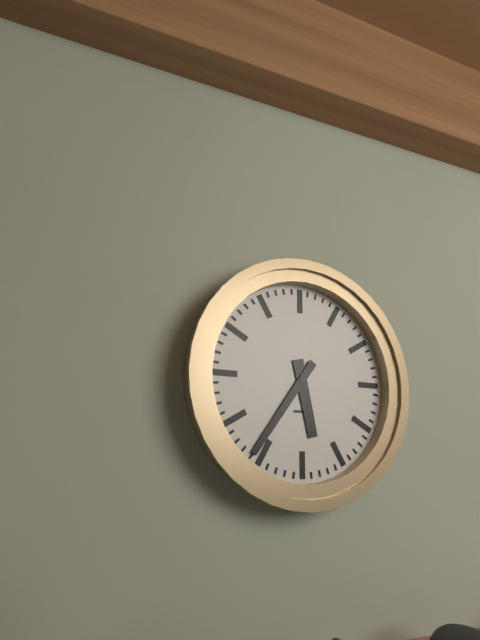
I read 5,36
